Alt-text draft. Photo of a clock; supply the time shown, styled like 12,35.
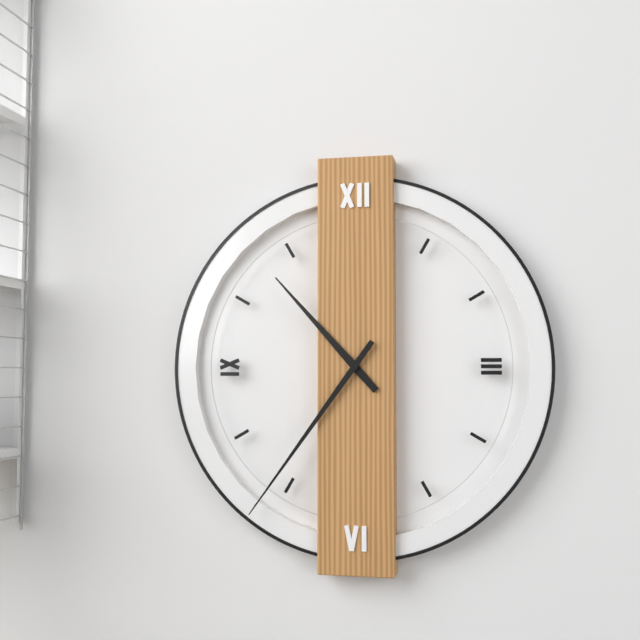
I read 10,36
